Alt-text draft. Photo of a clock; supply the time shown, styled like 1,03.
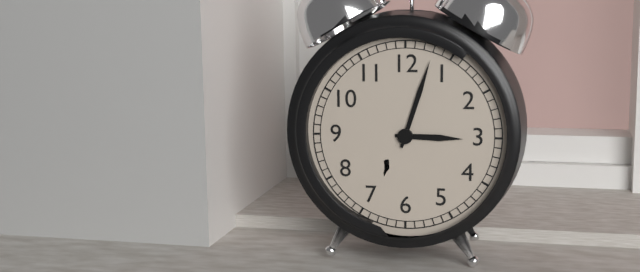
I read 3,03
